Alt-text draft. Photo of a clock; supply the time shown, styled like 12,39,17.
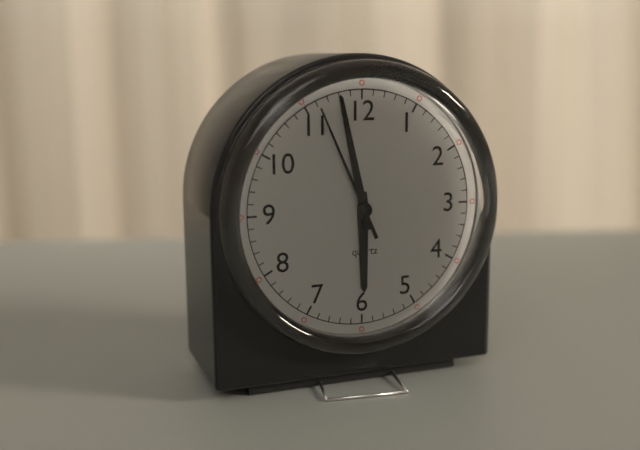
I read 5,58,56
